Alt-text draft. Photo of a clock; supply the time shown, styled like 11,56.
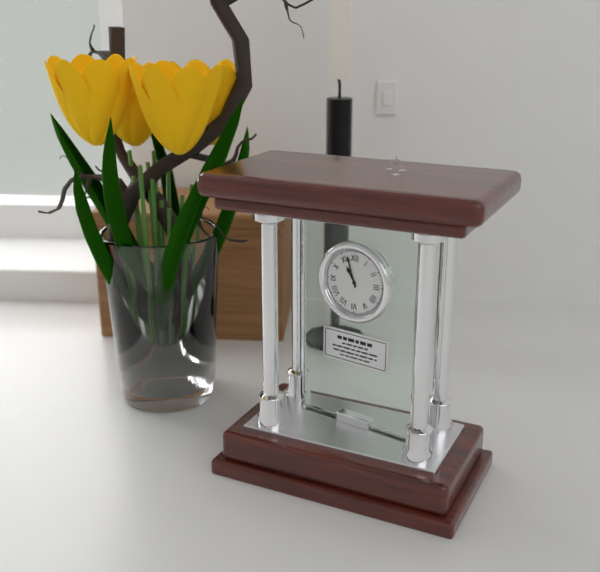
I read 10,57
